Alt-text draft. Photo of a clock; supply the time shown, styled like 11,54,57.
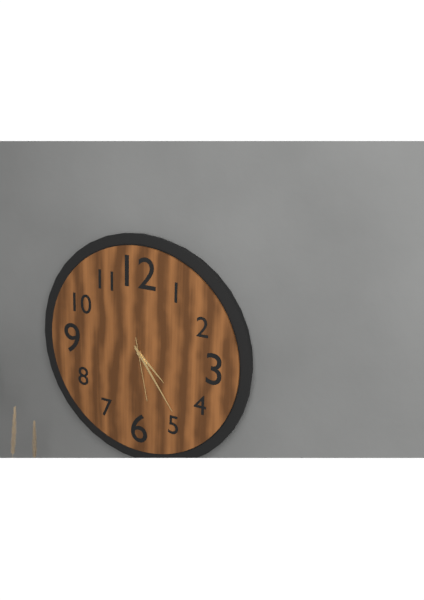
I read 4,24,28
